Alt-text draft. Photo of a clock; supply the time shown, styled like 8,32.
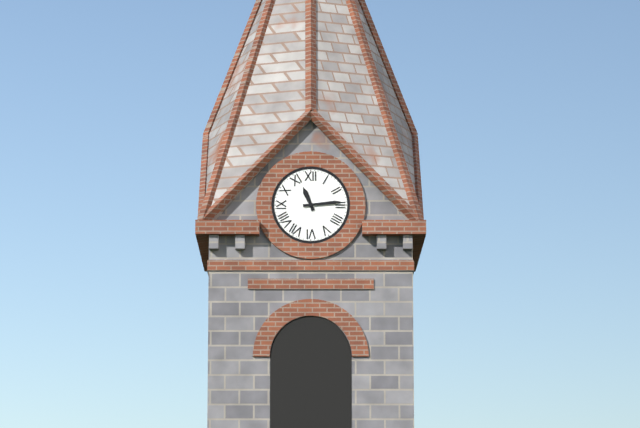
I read 11,14
